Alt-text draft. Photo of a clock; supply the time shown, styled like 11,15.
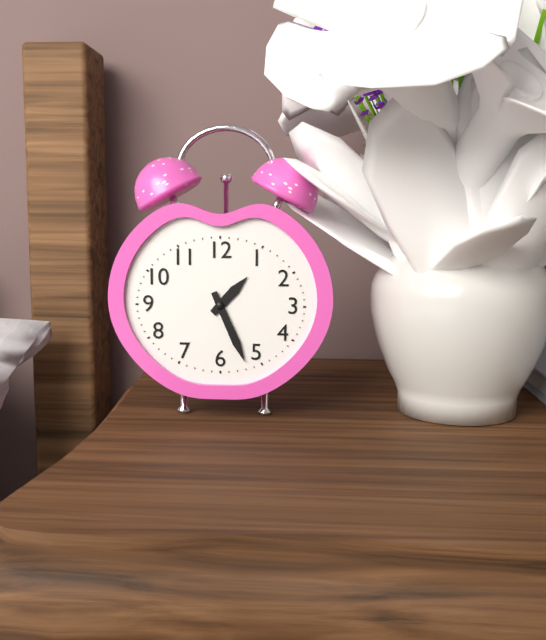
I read 1,26
